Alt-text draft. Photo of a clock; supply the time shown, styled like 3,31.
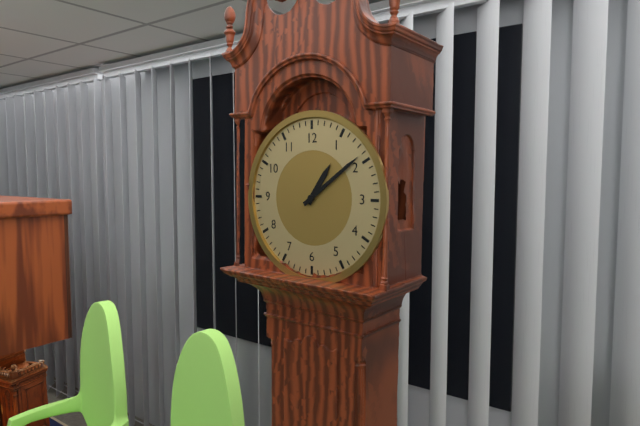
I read 1,09
